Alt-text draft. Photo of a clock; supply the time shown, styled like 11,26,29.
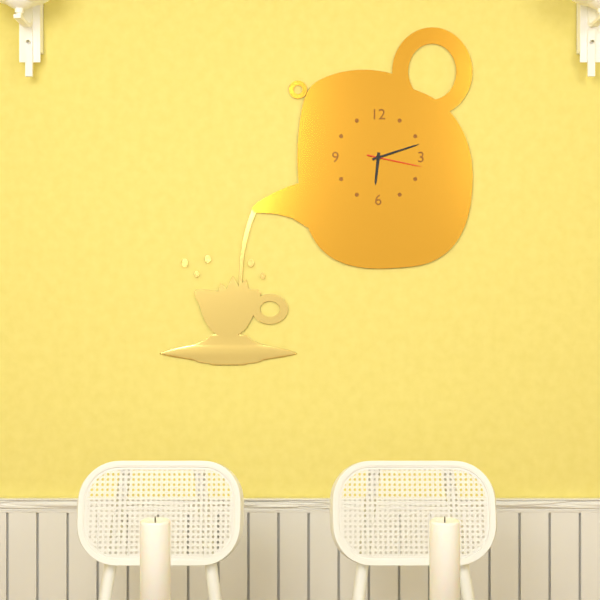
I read 6,12,17
